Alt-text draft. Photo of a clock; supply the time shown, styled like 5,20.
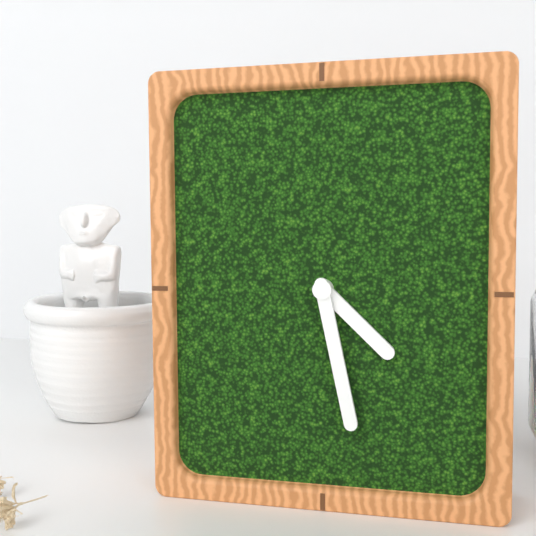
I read 4,28
